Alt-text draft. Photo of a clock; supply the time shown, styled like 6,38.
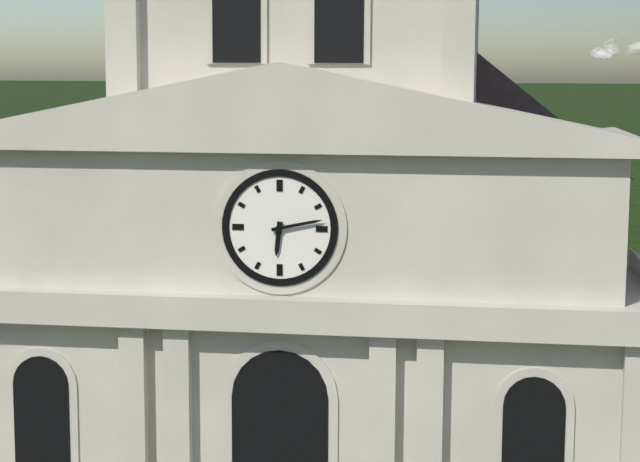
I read 6,13
